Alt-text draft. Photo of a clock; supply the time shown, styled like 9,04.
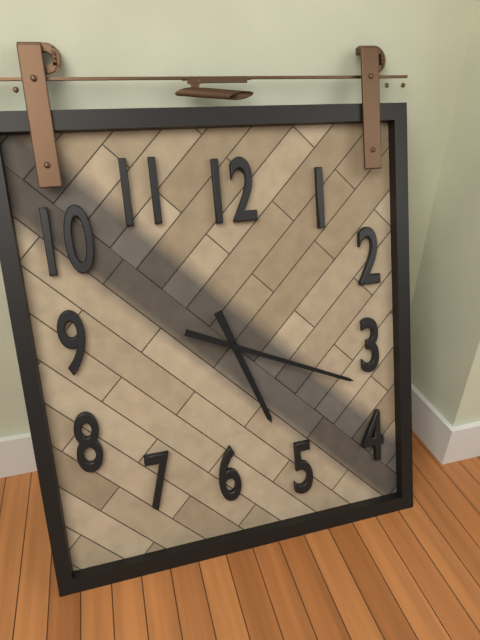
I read 5,19
